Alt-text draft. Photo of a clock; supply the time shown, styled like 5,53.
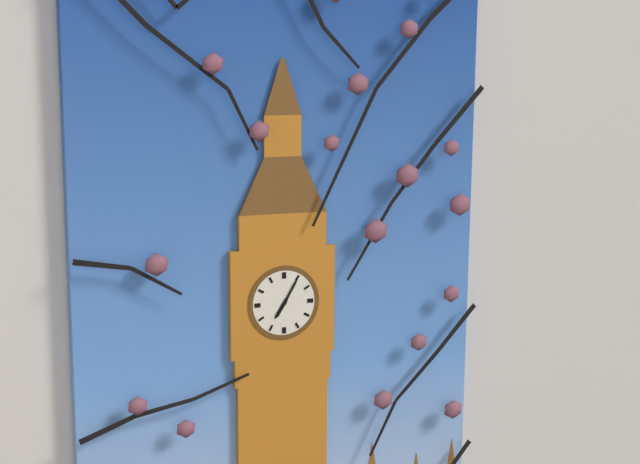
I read 7,05
